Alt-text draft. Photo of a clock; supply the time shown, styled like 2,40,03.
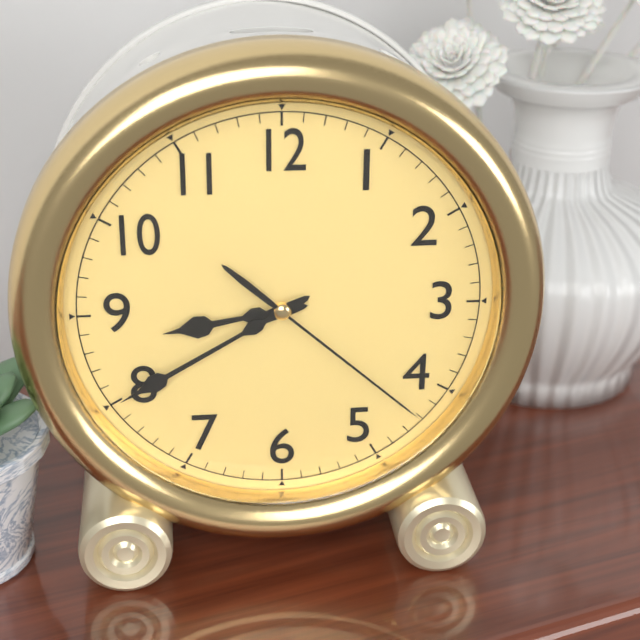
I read 8,40,22
